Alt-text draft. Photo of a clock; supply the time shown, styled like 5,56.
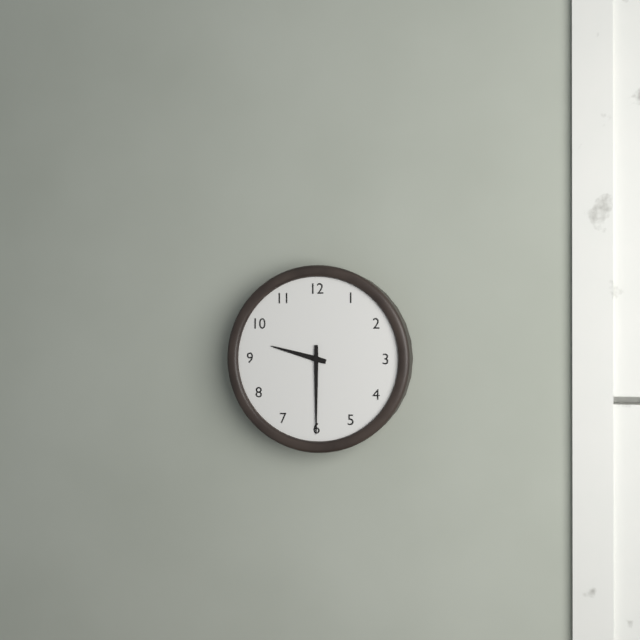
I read 9,30
